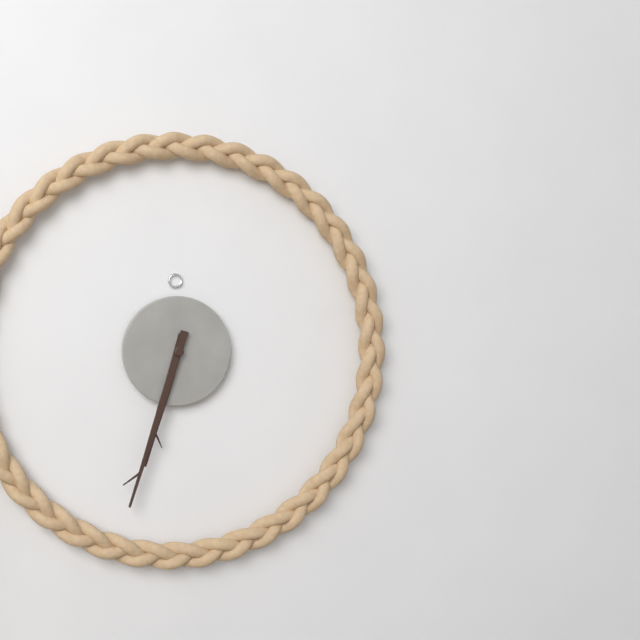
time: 6:33
